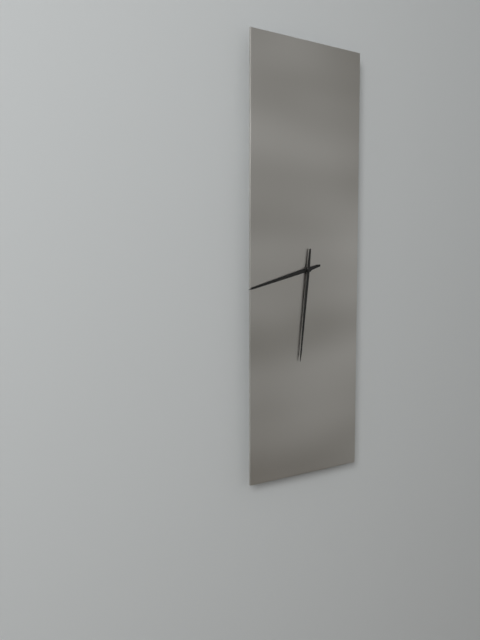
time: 8:31
